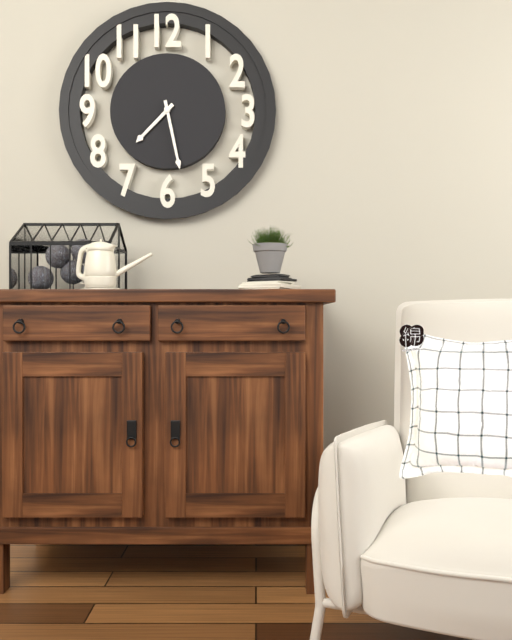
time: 7:28
